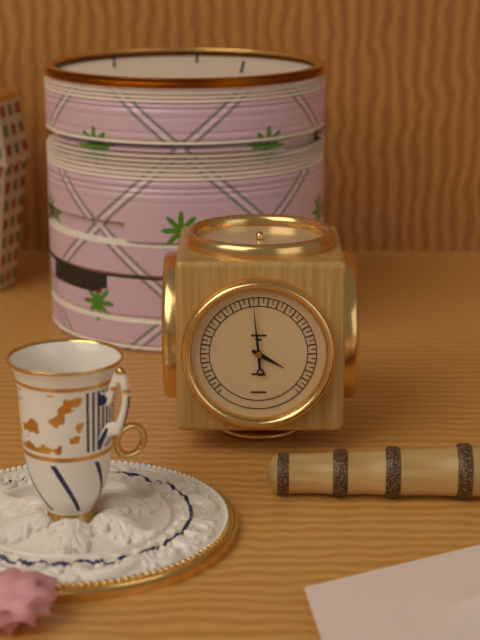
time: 3:59
